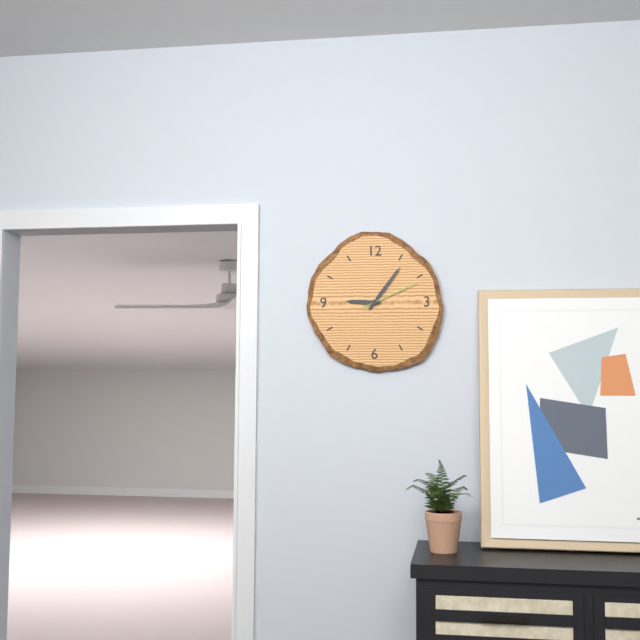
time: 9:06:11
